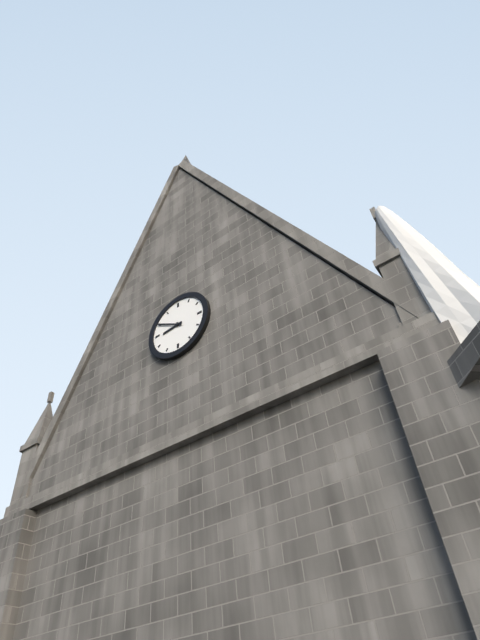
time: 8:50
